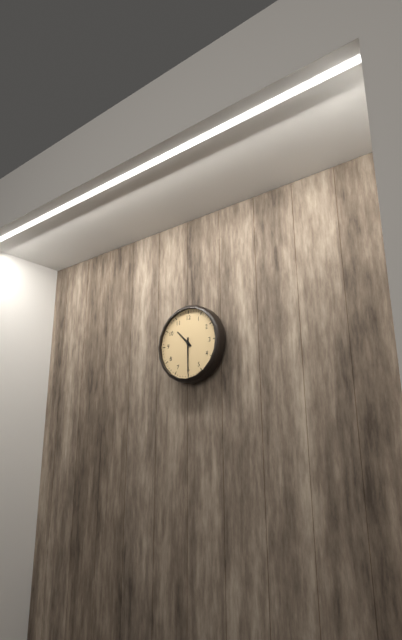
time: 10:30
